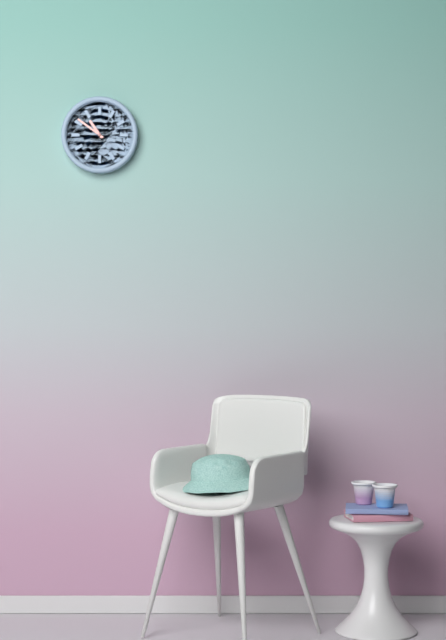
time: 10:51
